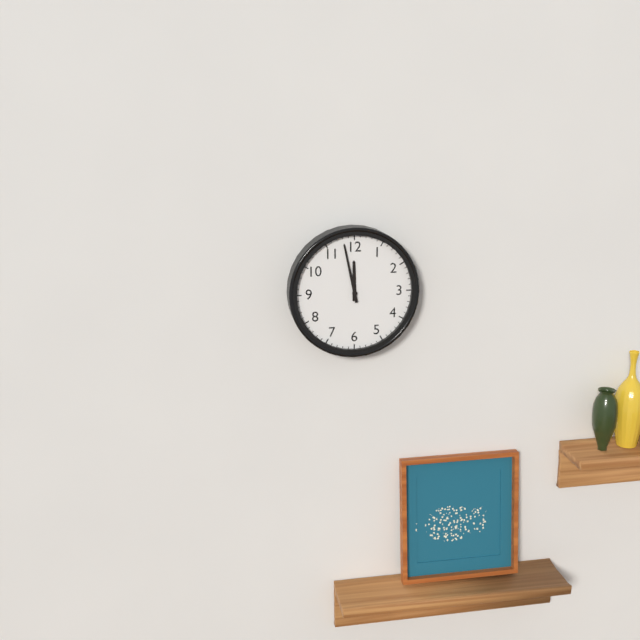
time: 11:58
